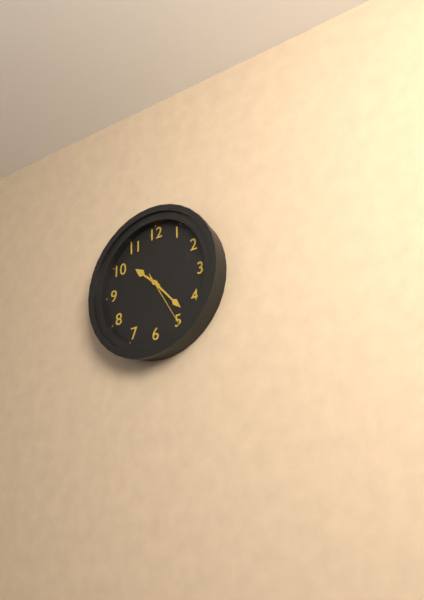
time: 10:23:25
